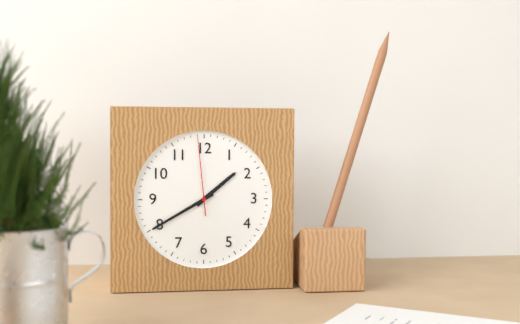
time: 1:40:59
